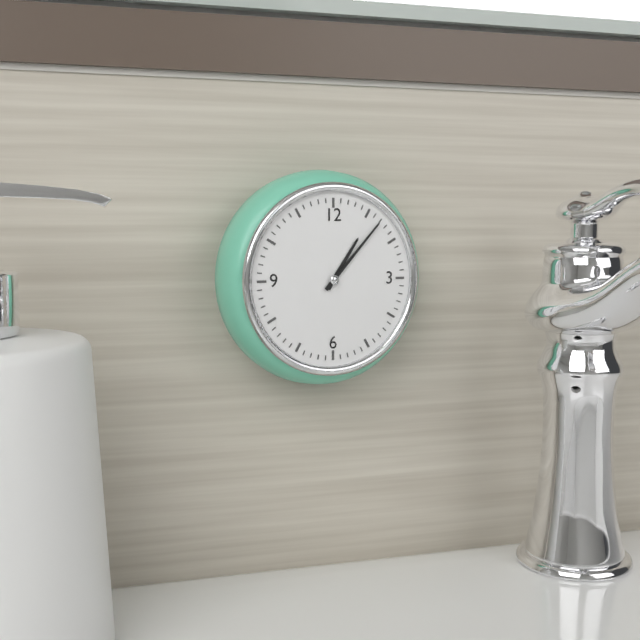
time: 1:07
